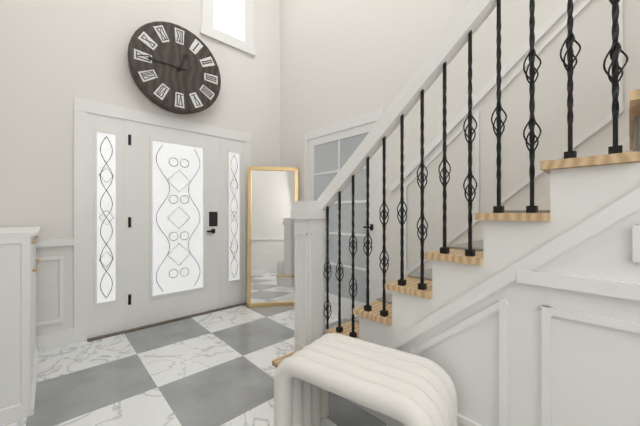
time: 12:45
